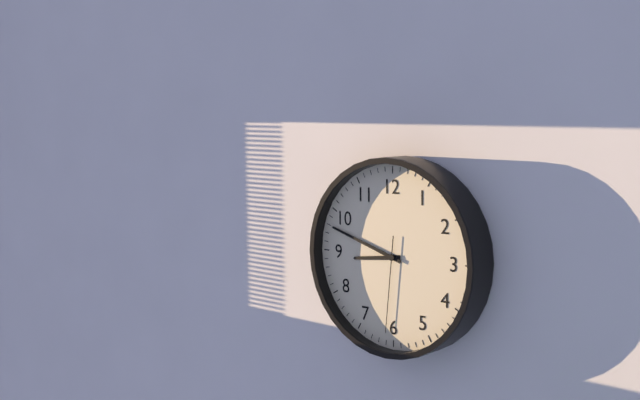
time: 8:48:31
